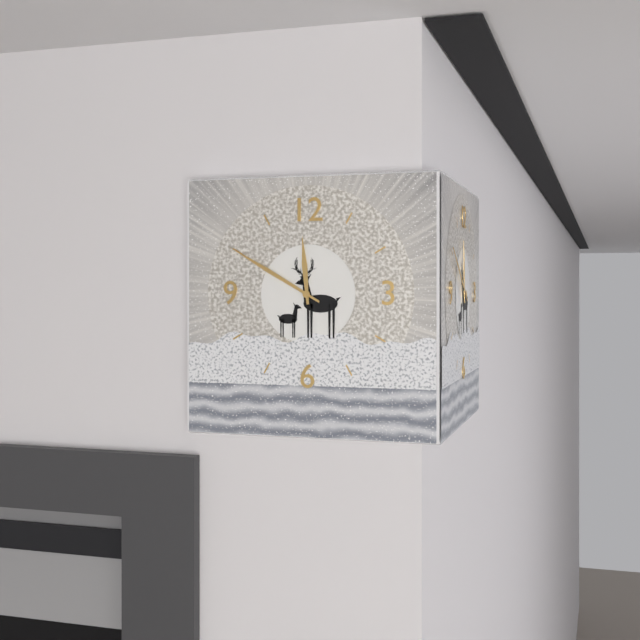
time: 11:50
